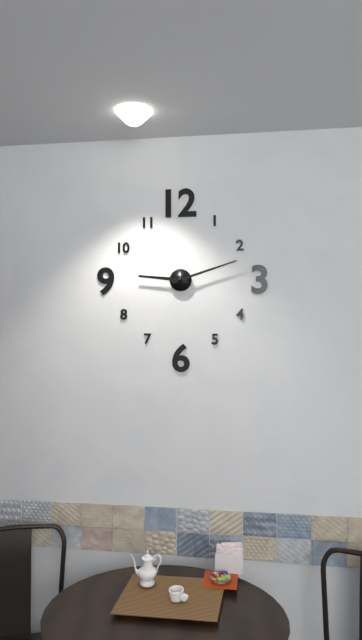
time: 9:12
